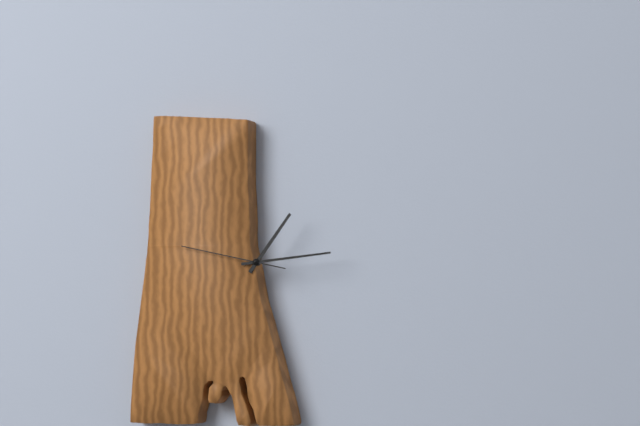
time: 1:14:47
